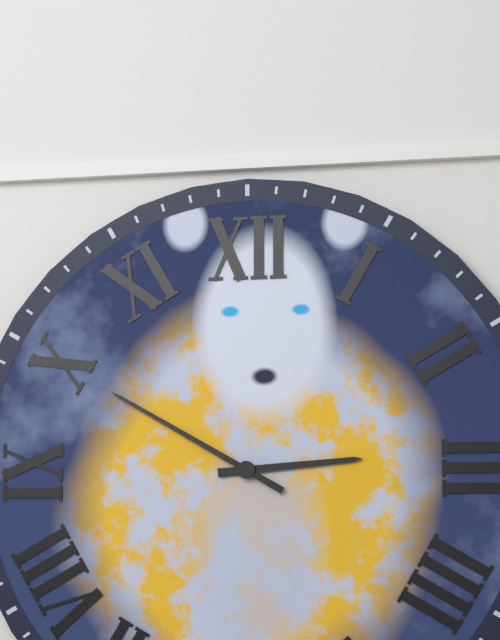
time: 2:50
